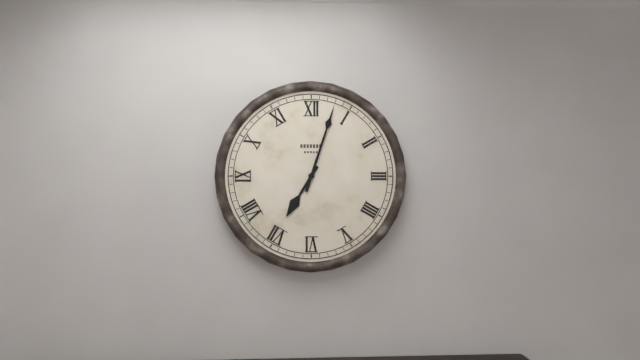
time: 7:03
